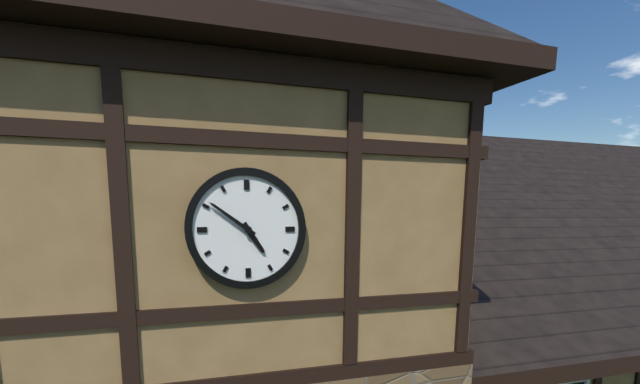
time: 4:51
